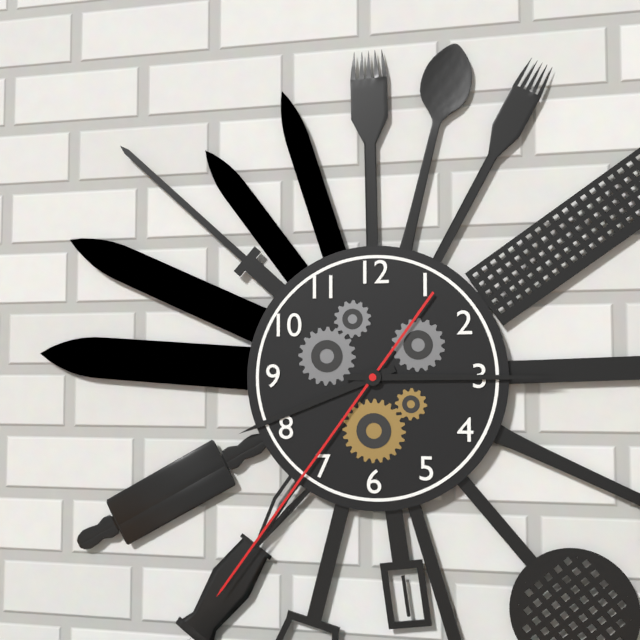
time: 8:15:36
